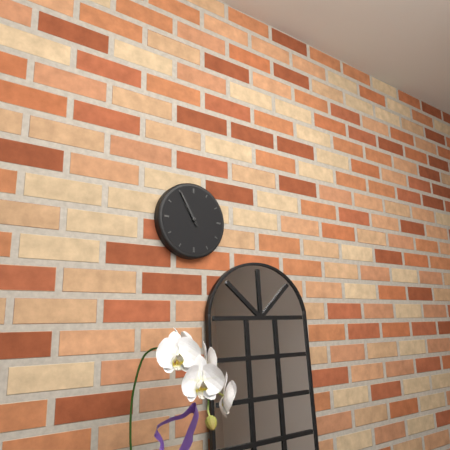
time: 10:55
